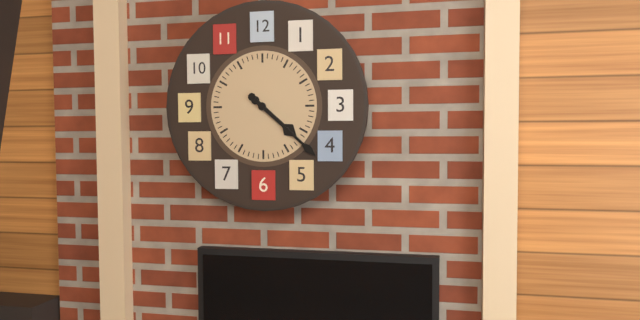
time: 4:22
